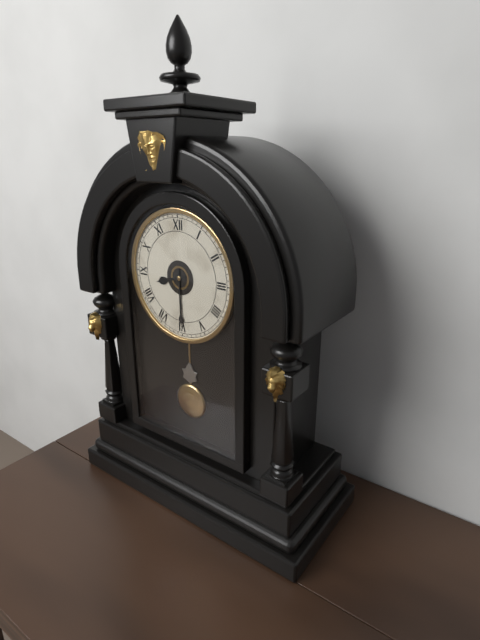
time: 8:30
